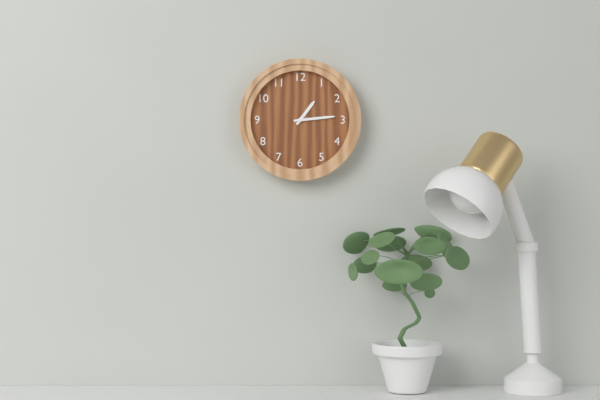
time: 1:14
